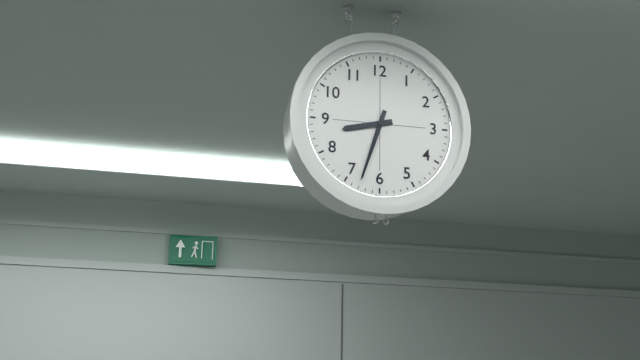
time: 8:33
